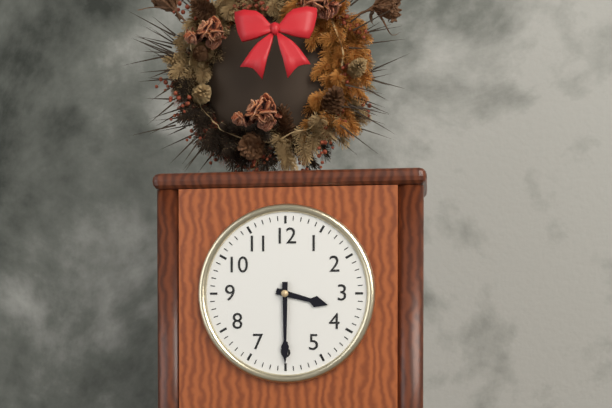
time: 3:30
